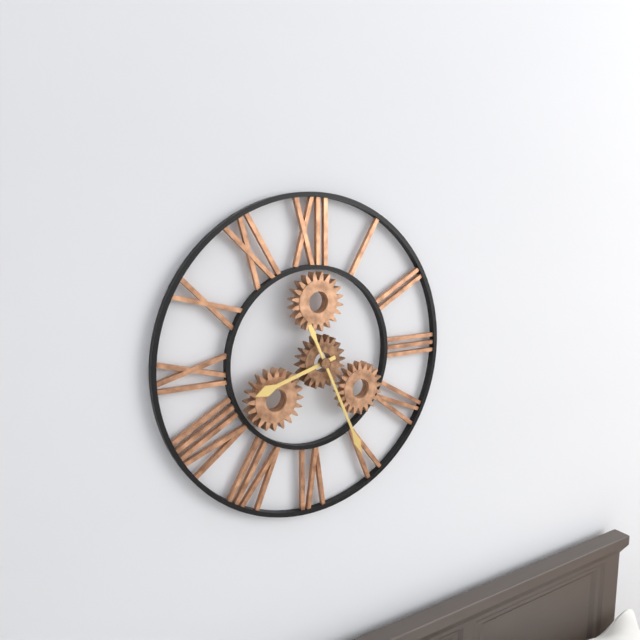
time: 8:26
